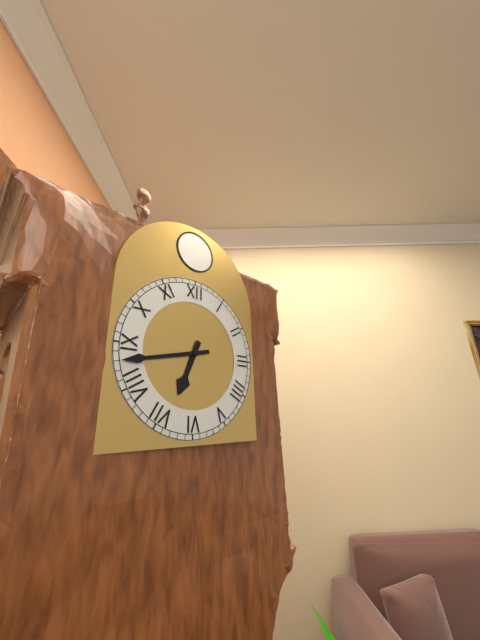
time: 6:43
